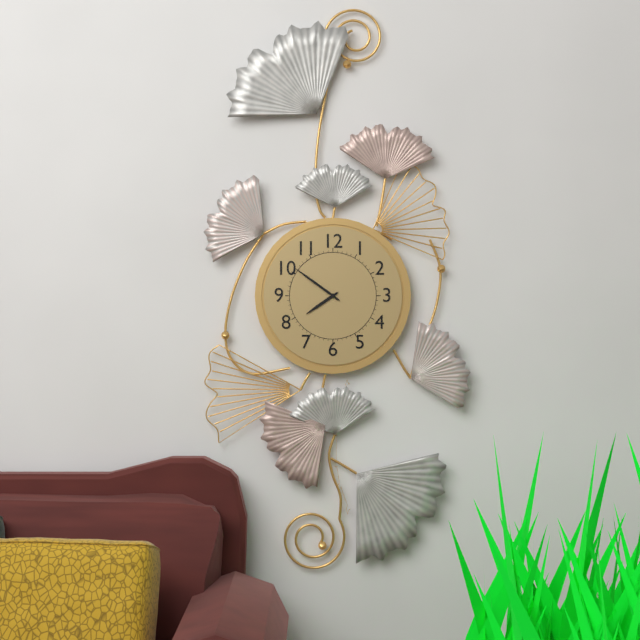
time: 7:51
